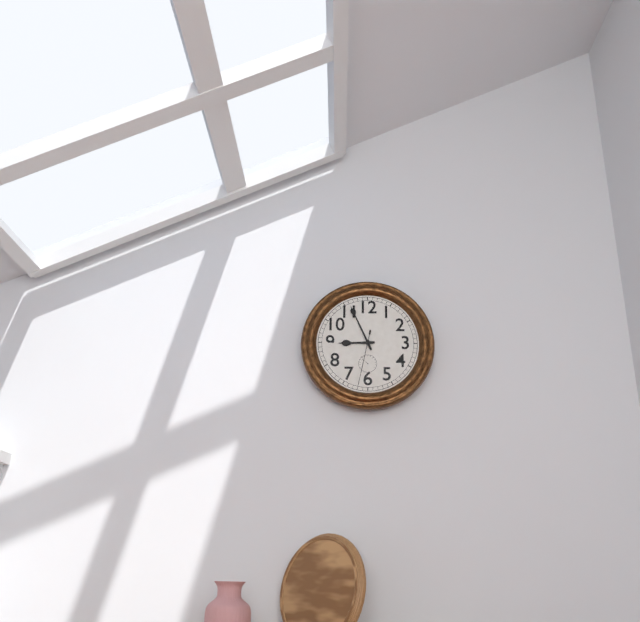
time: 8:56:32
